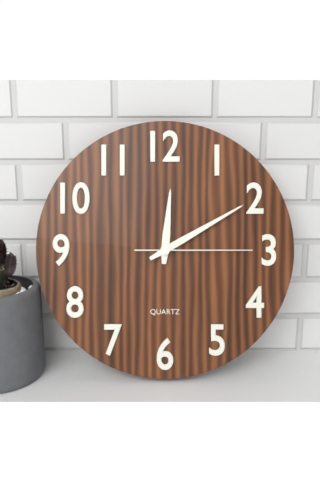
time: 12:10:15
